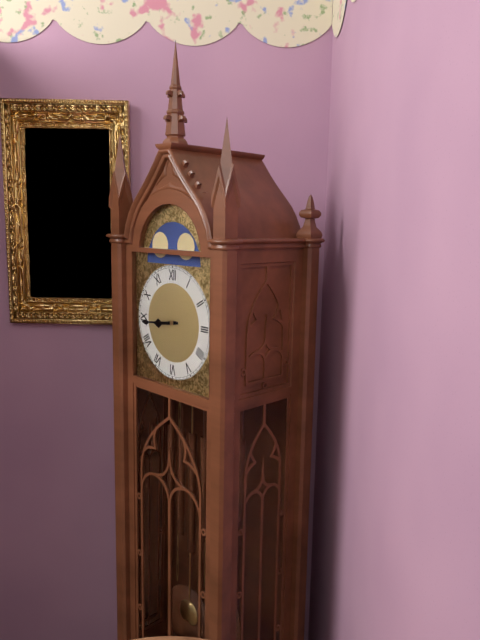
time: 8:44
